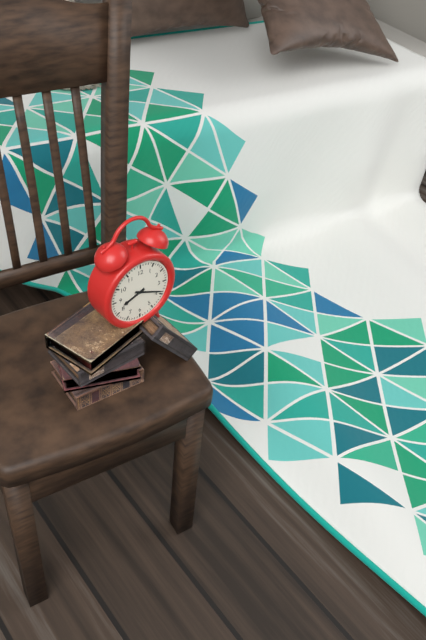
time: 8:19
